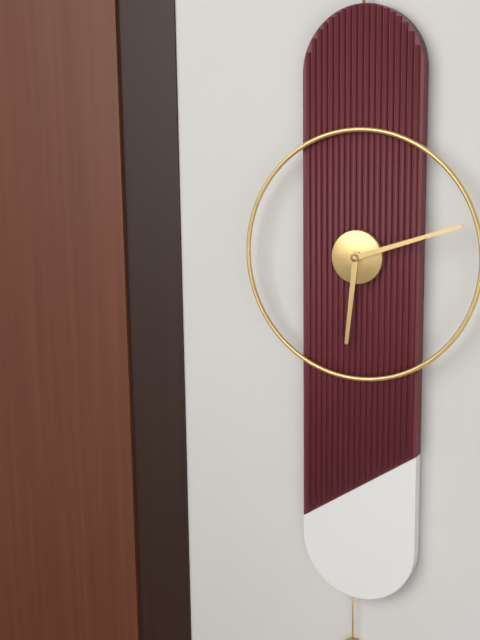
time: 6:12
